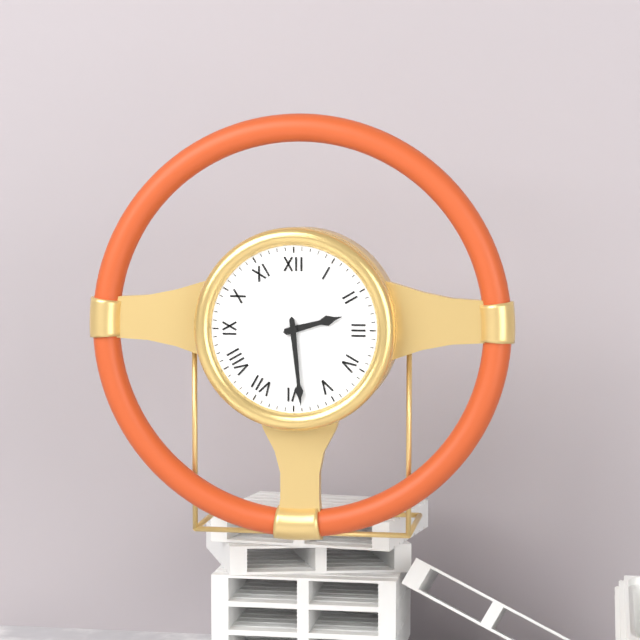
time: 2:29
